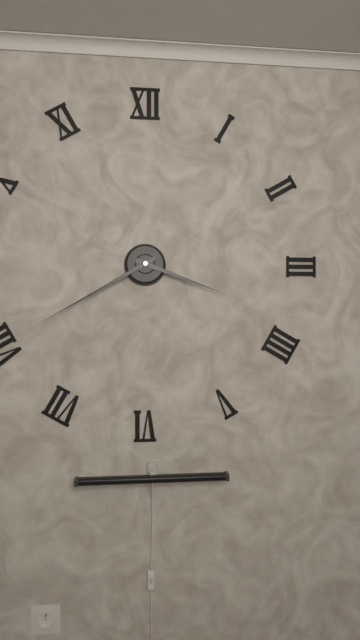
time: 3:40
